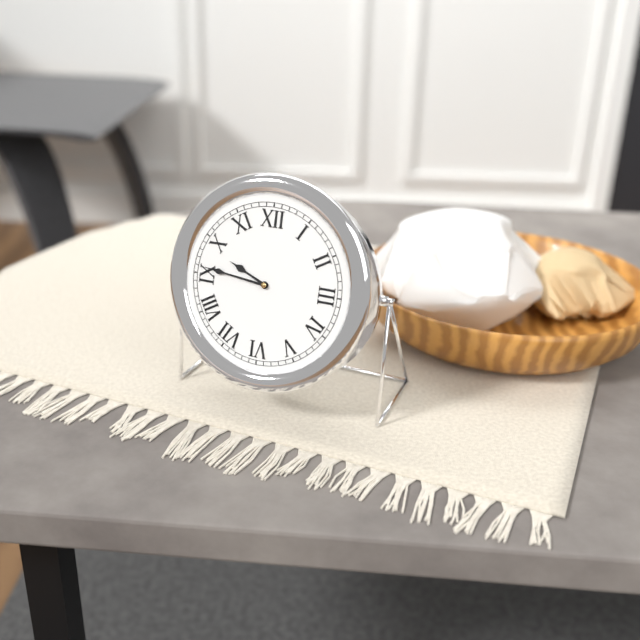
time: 9:46
